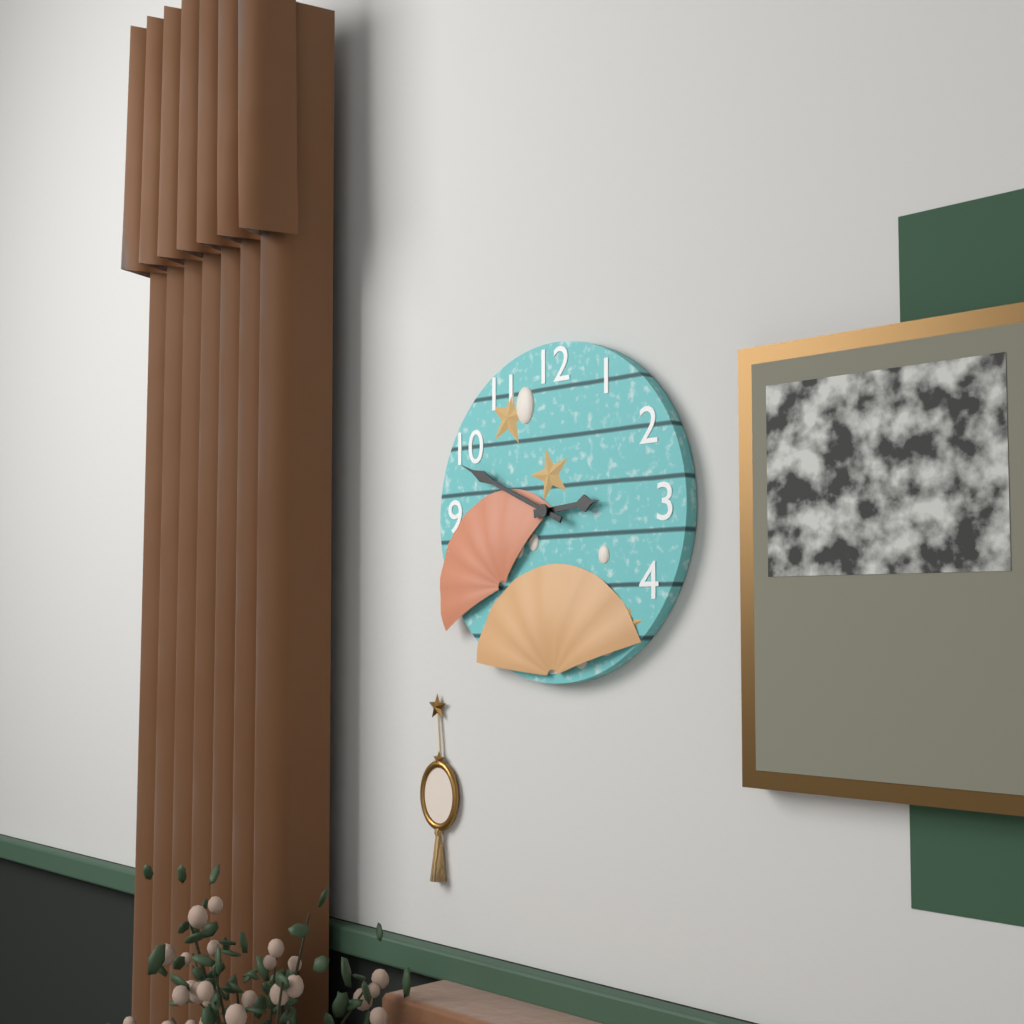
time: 2:49
